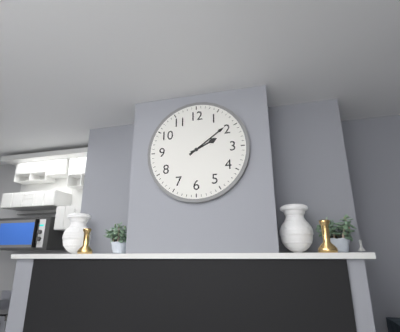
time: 2:09
